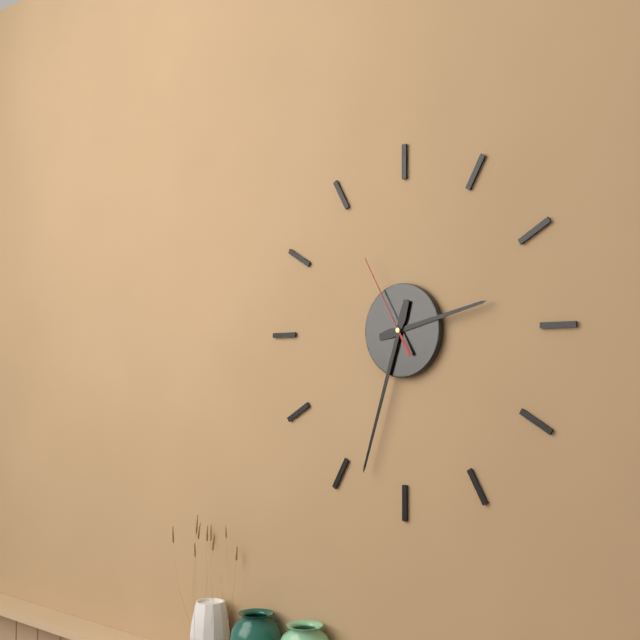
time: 2:33:55
